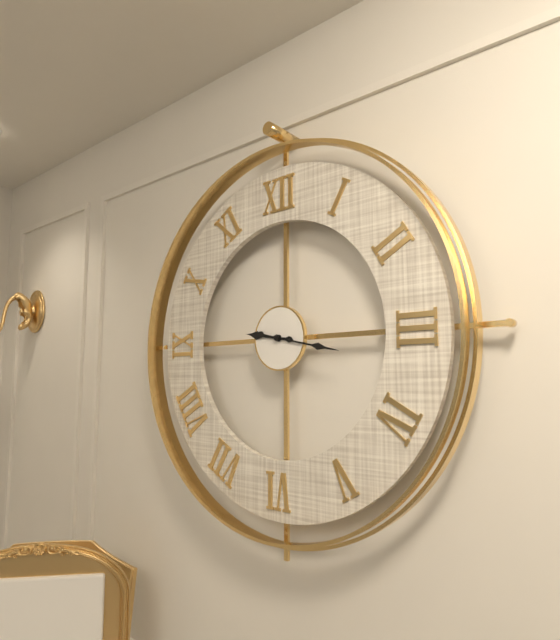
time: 9:17
